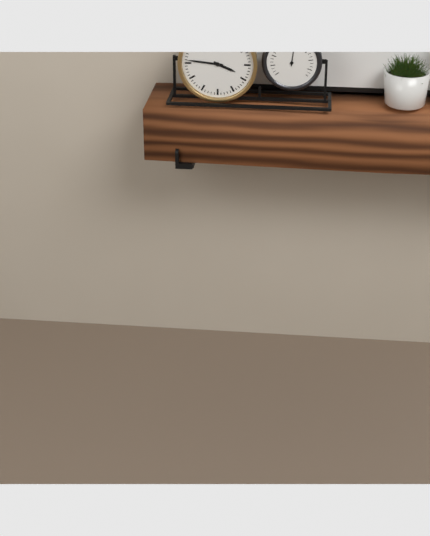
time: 3:46
